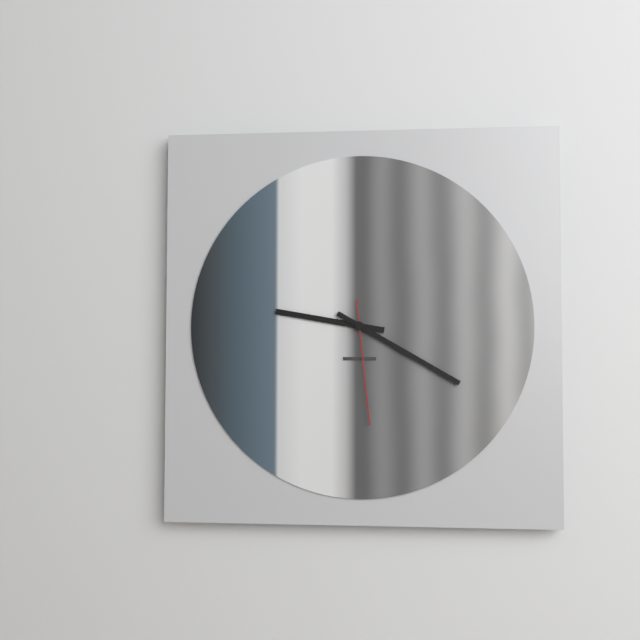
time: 9:20:29
